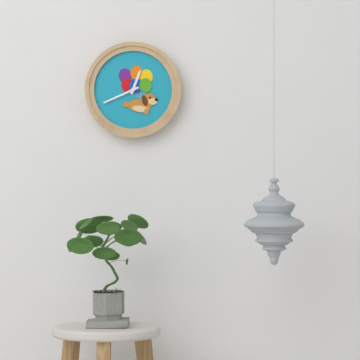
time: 12:41
